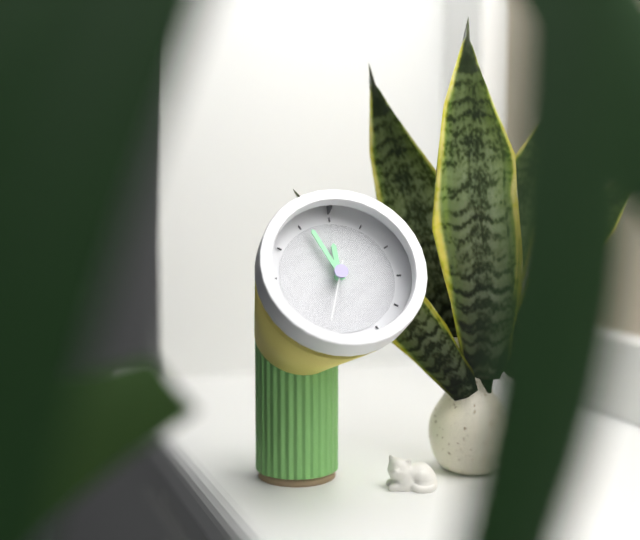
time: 11:56:33
